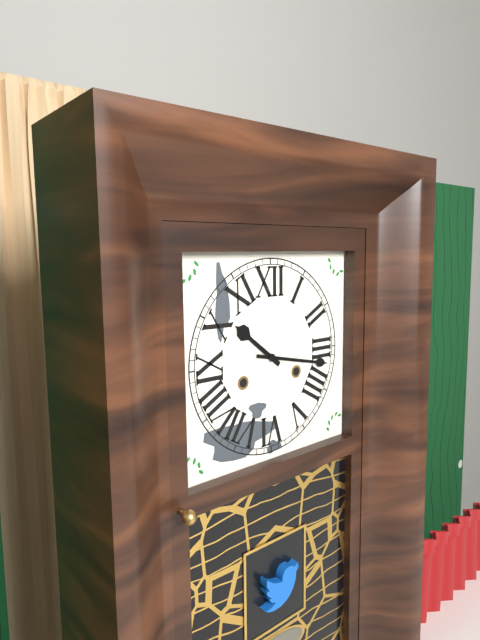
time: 10:17
